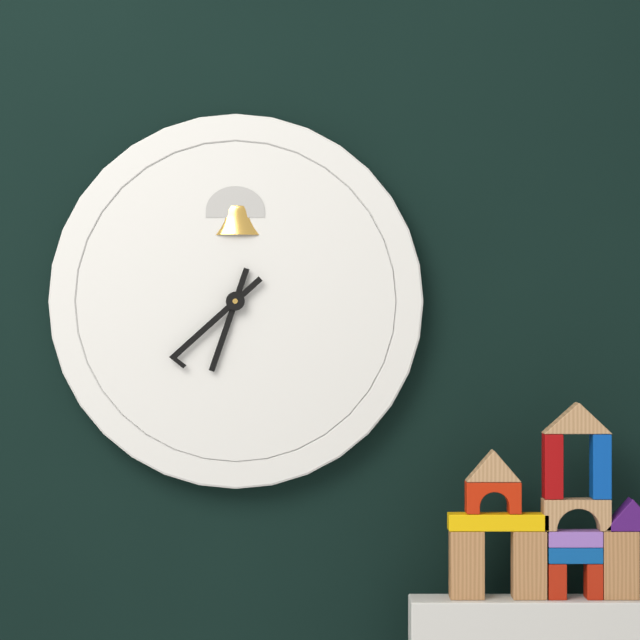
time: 6:38
